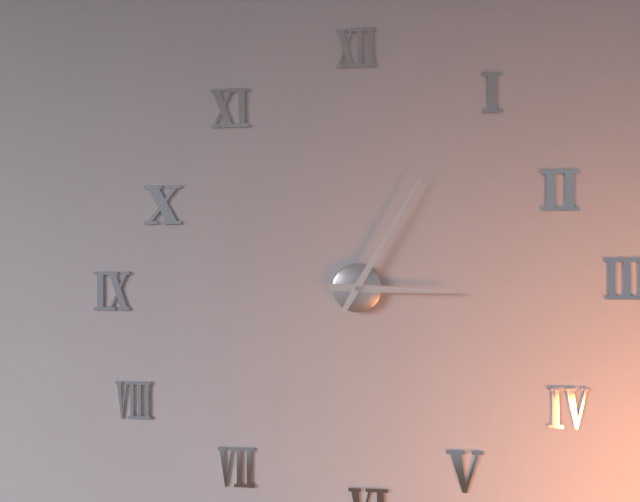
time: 3:05
